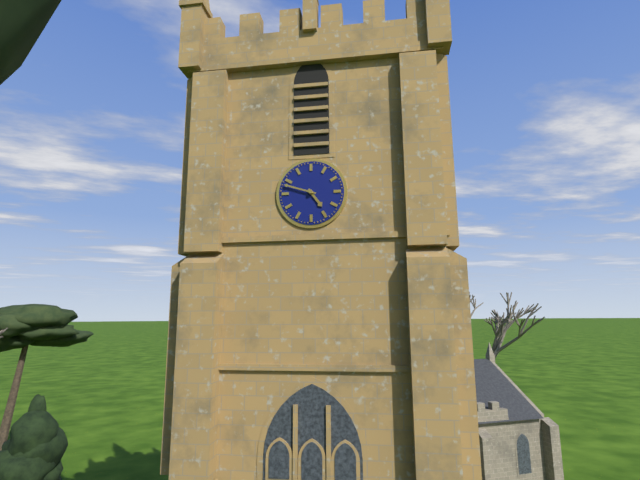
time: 4:48
